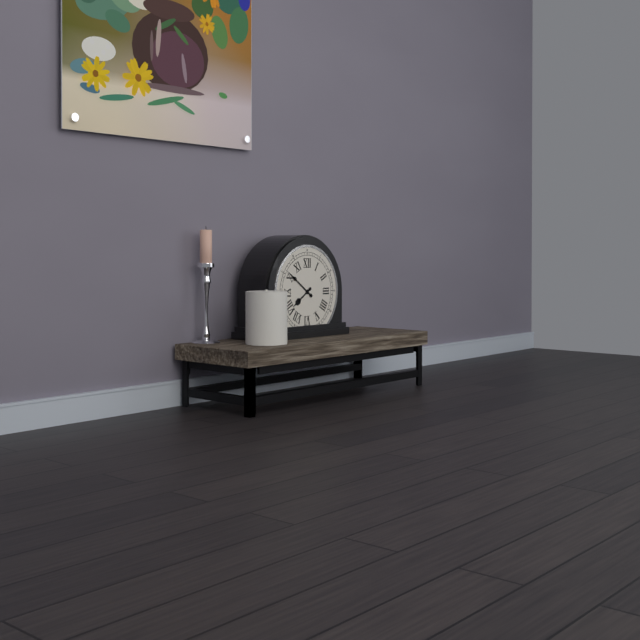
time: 7:51
